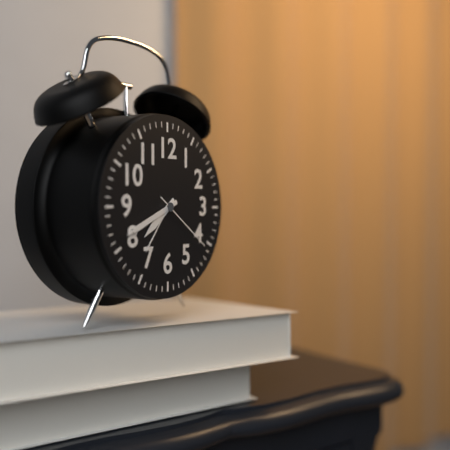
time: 7:41:21
